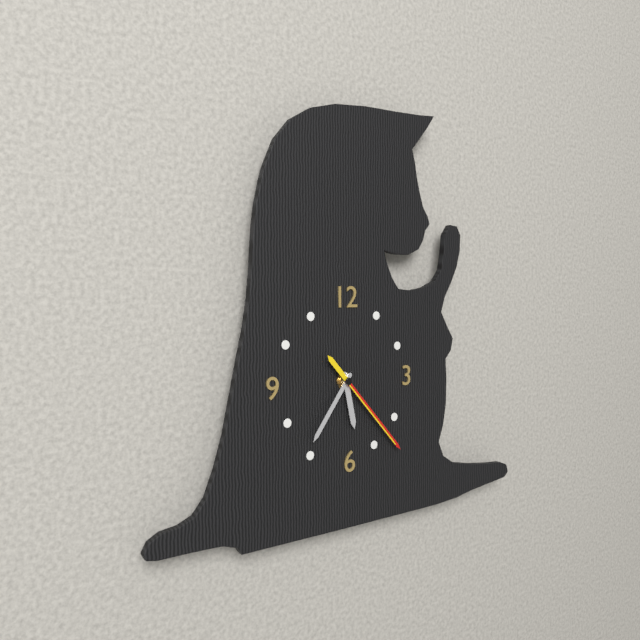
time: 5:36:23
